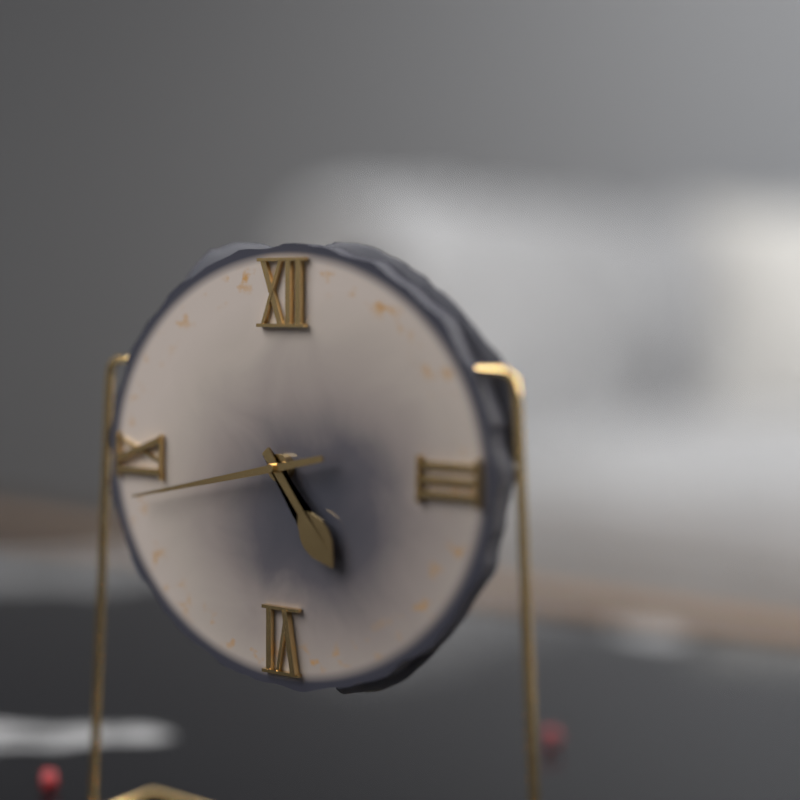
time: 4:43
